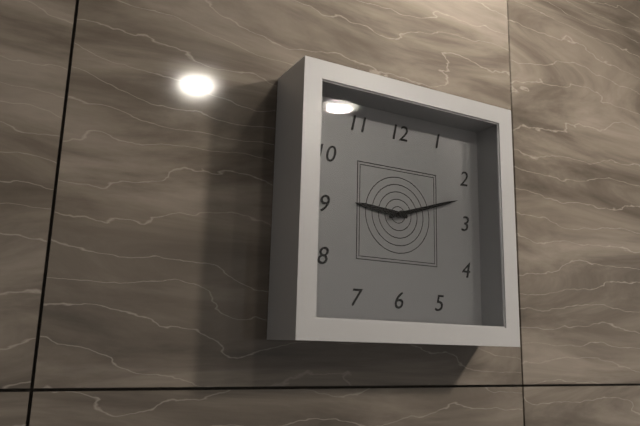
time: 9:12
